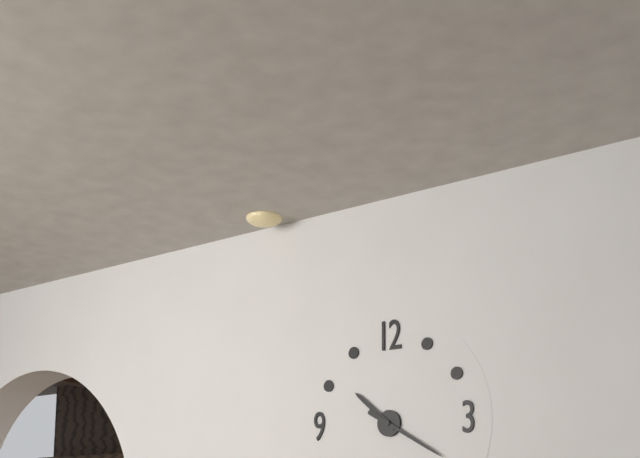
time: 10:20
